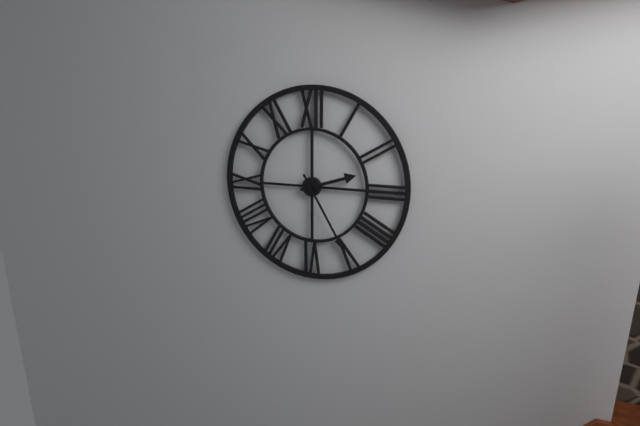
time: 2:25
